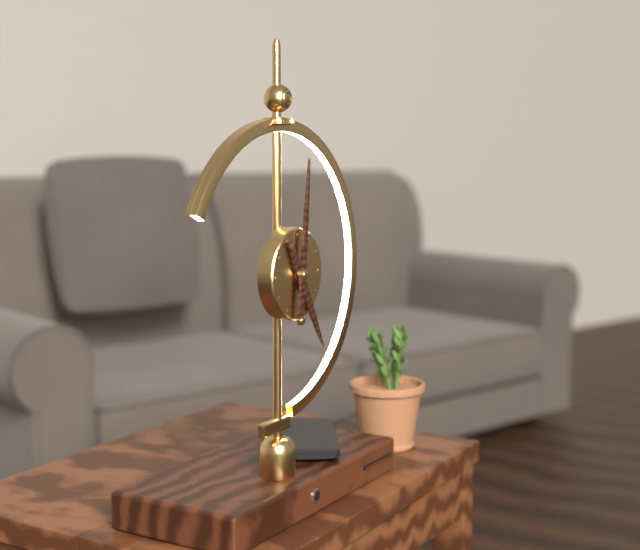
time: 5:01
